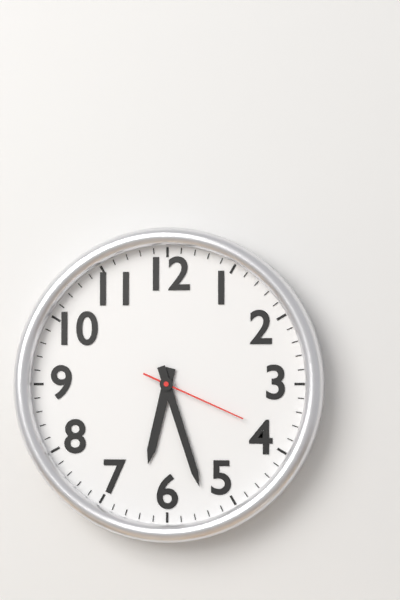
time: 6:27:19
